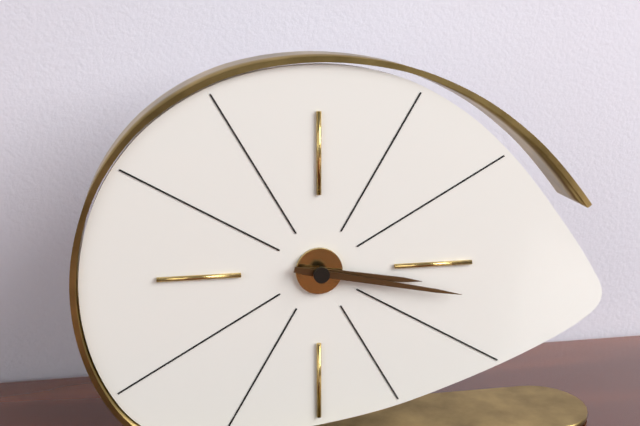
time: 3:17
